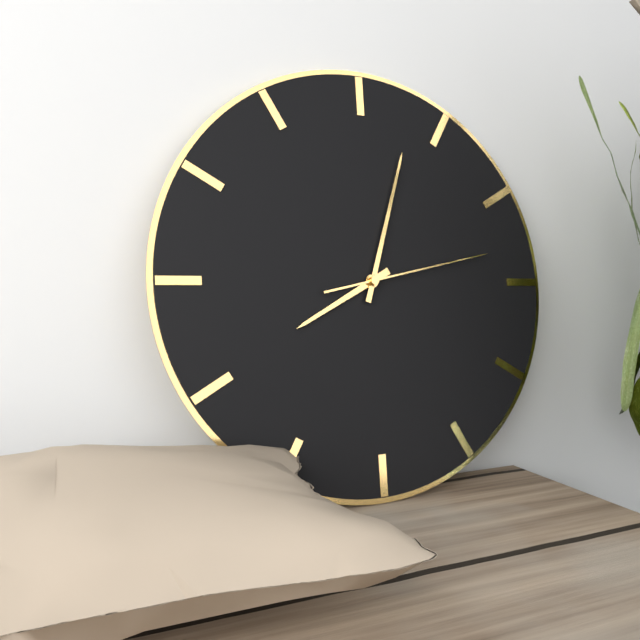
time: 8:03:13
